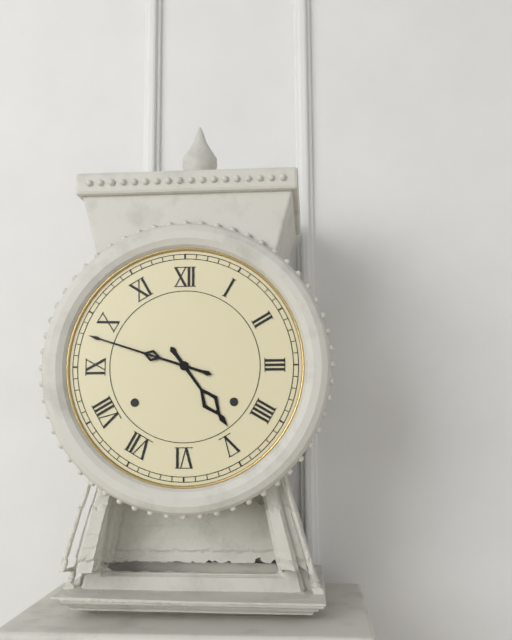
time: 4:48
